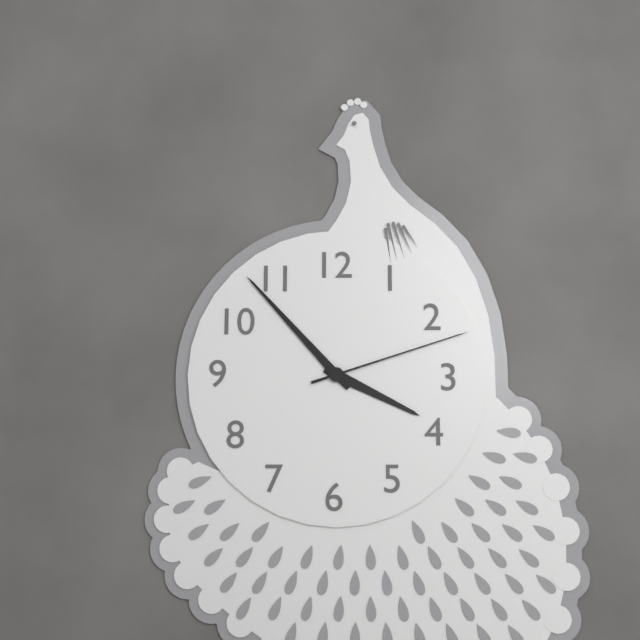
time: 3:53:12
